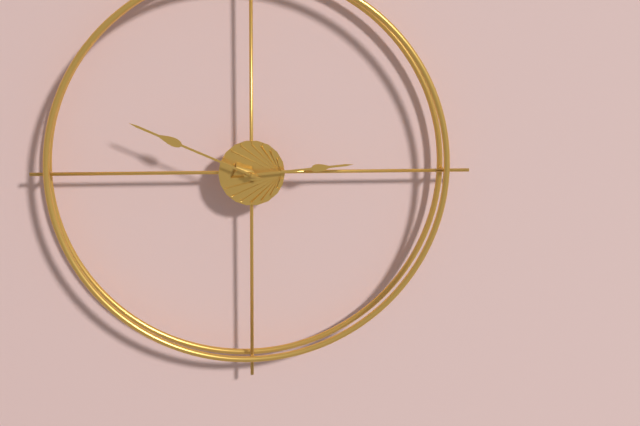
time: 2:49
